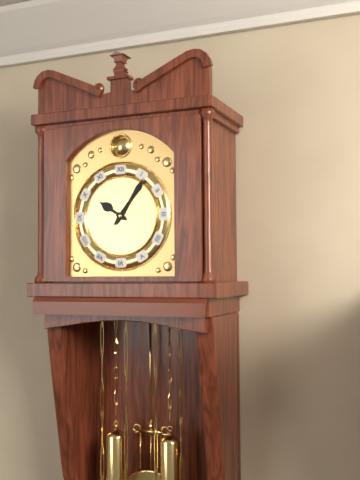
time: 10:06
